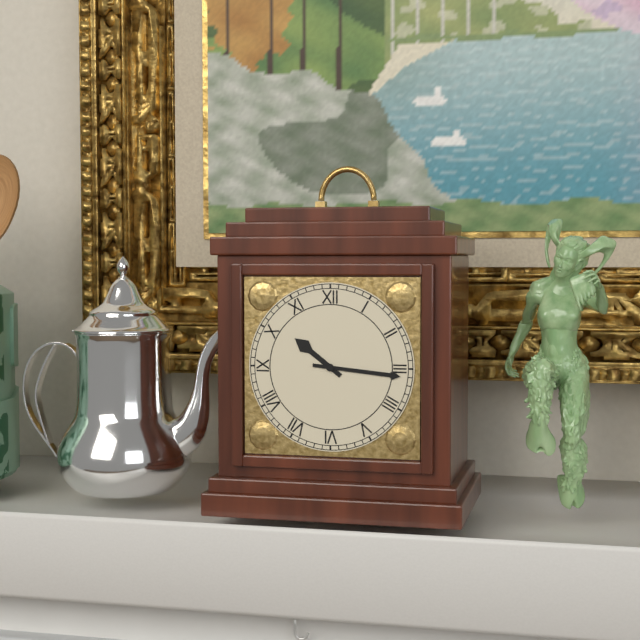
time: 10:16
